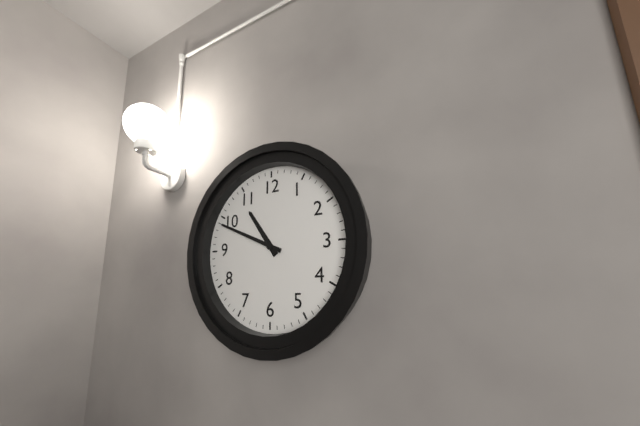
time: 10:49
